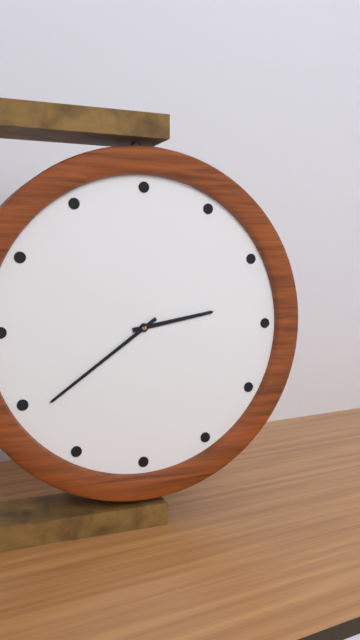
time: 2:39
